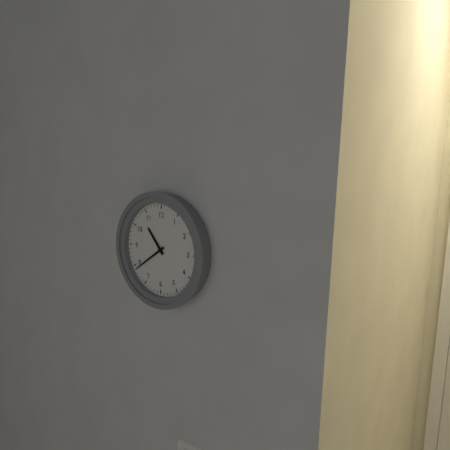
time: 10:39
